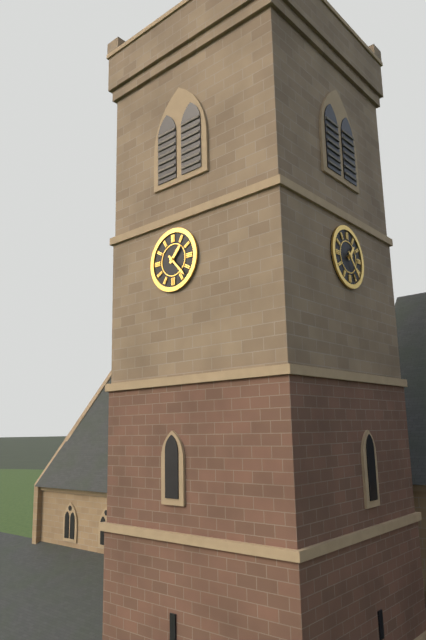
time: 1:23
